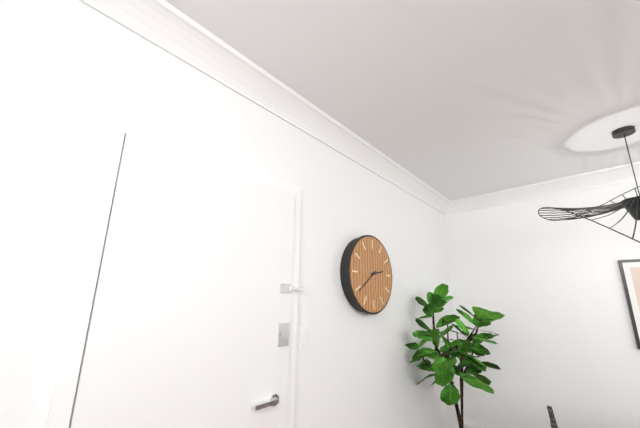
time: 2:39
